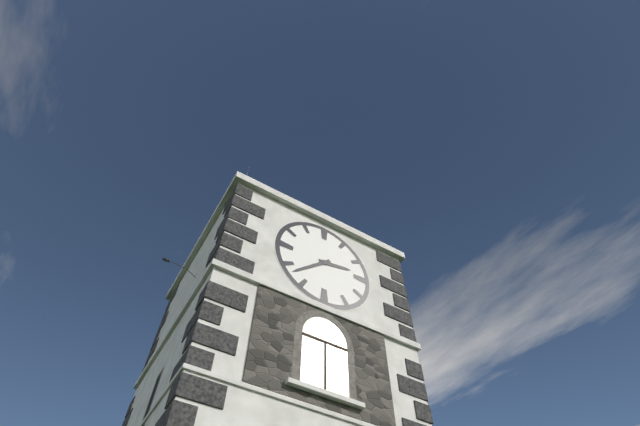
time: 2:38
